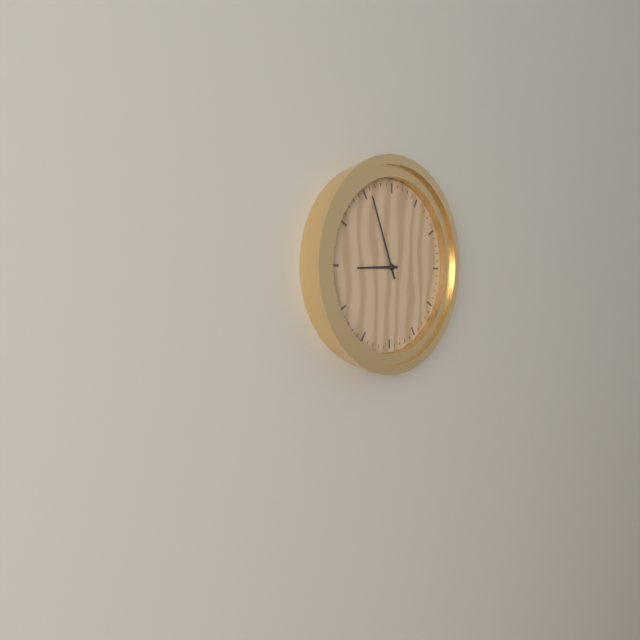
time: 8:56
